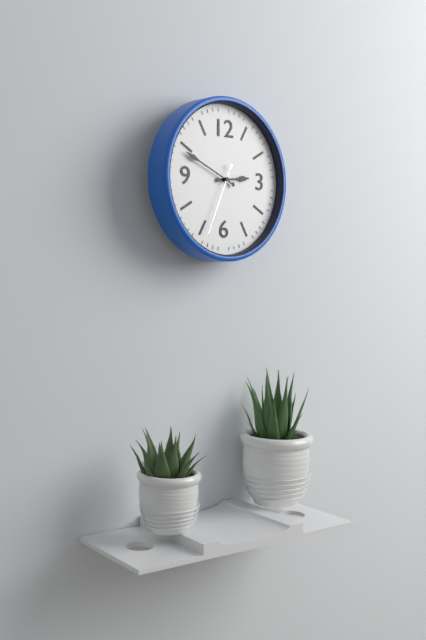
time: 2:49:34
